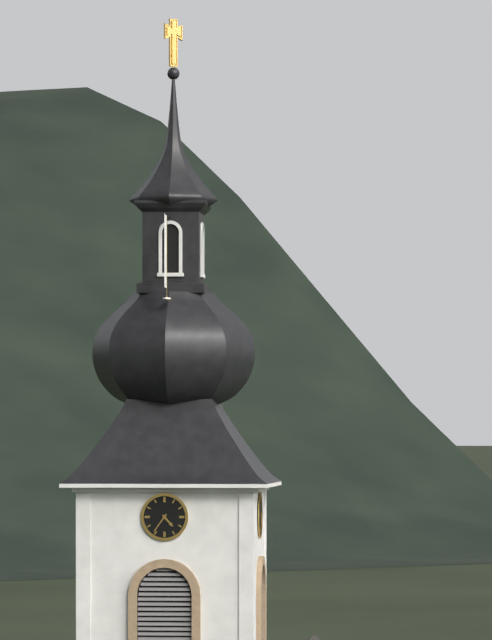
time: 4:36
